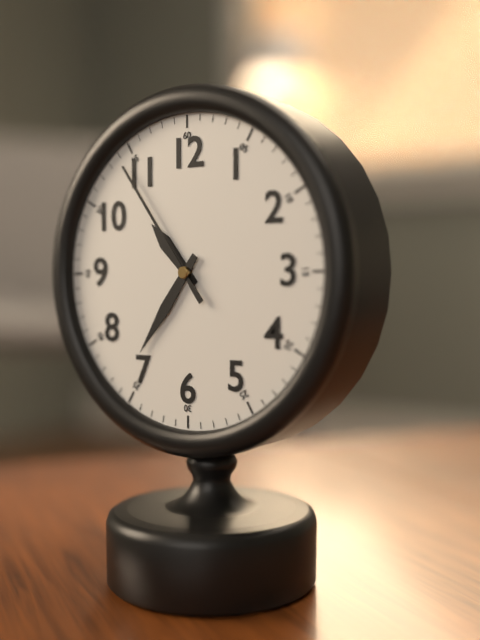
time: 10:36:54
